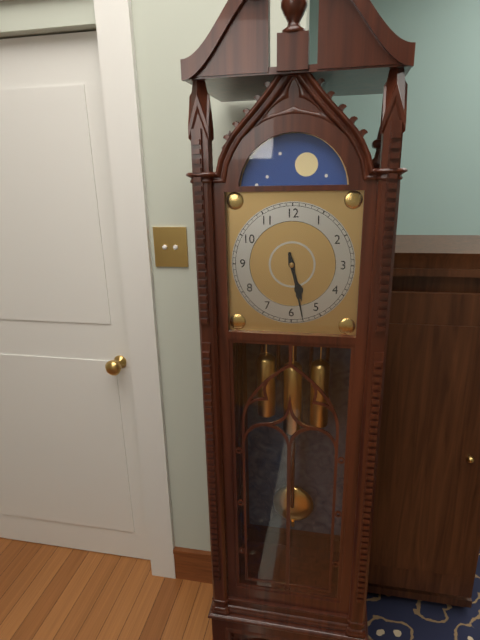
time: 5:28
